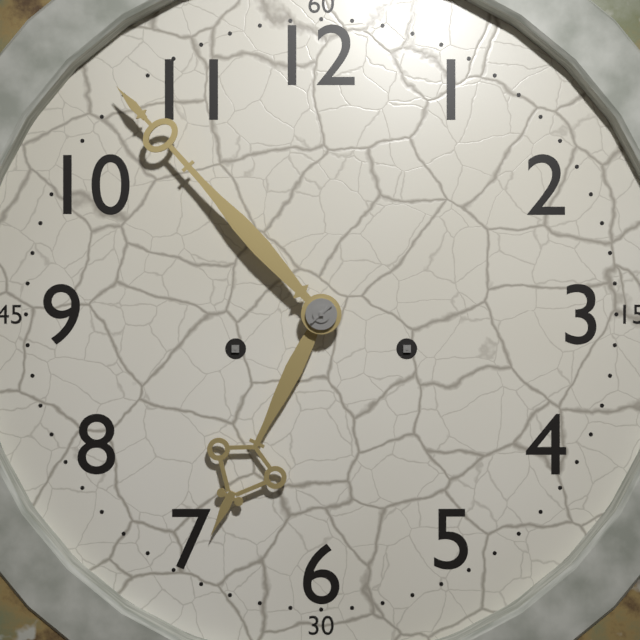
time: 6:53
